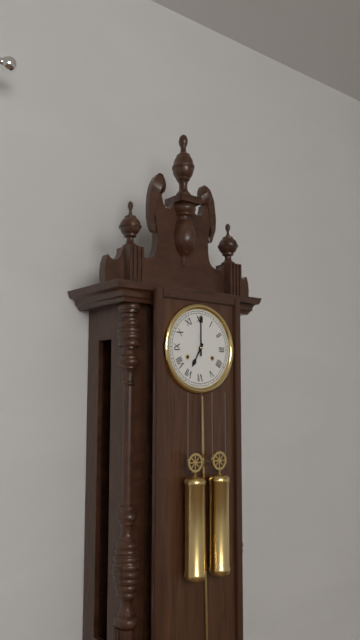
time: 7:00
